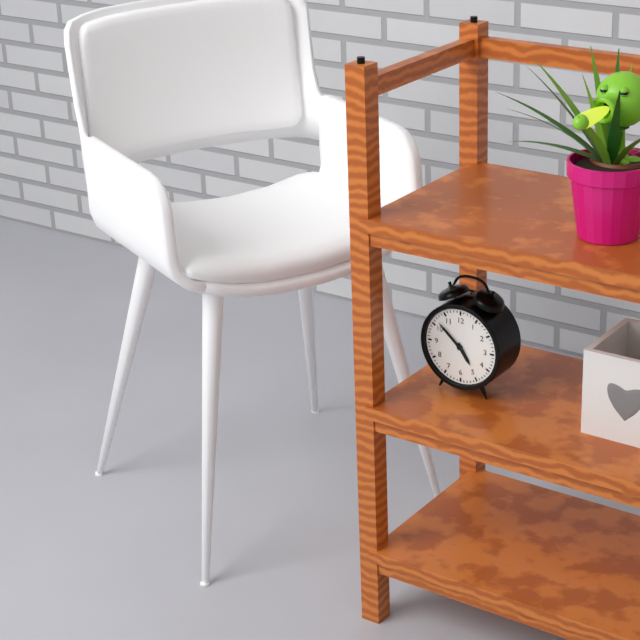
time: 4:52
